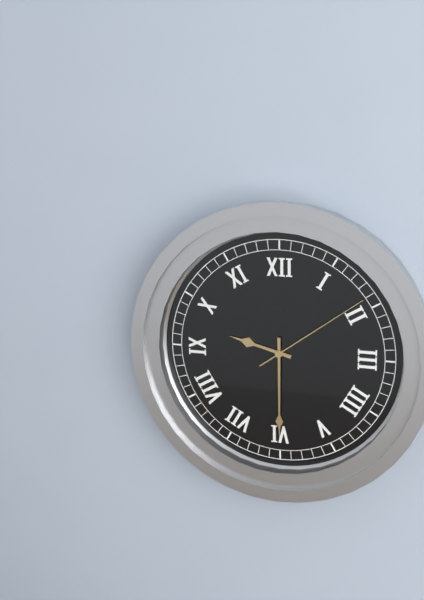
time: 9:30:09
